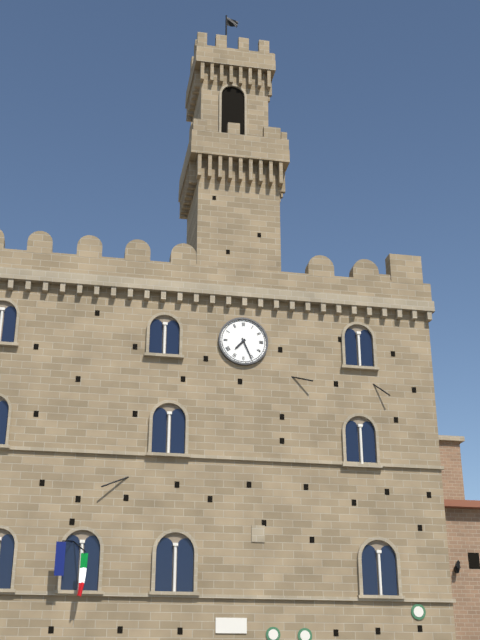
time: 7:26
